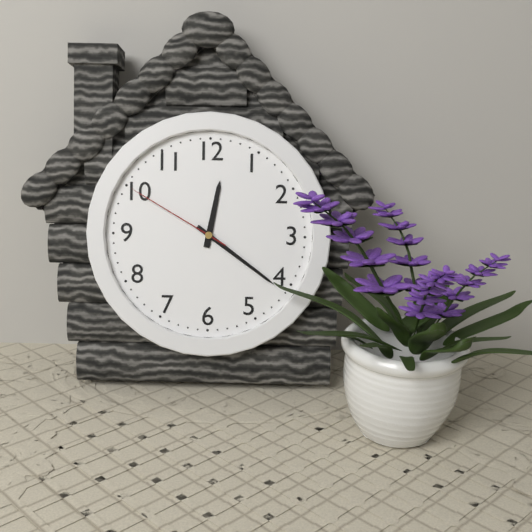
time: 12:21:50
